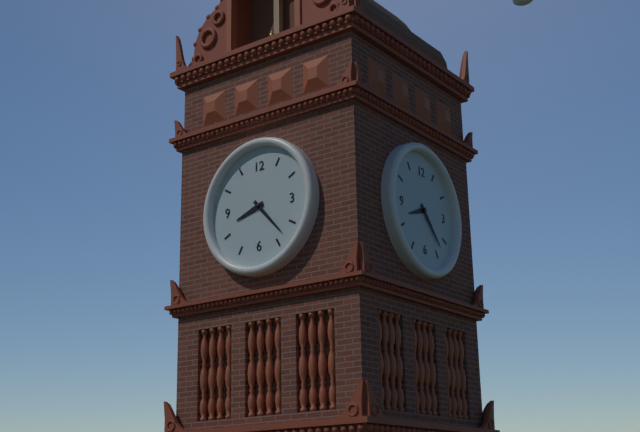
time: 8:23
